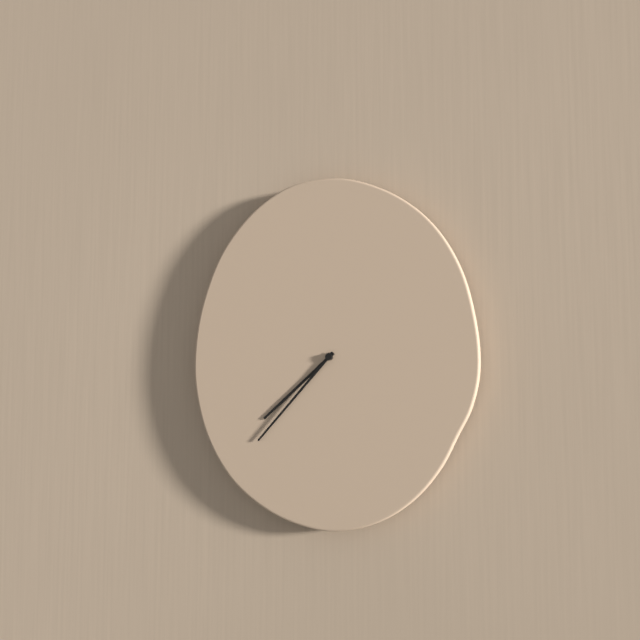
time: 7:37
